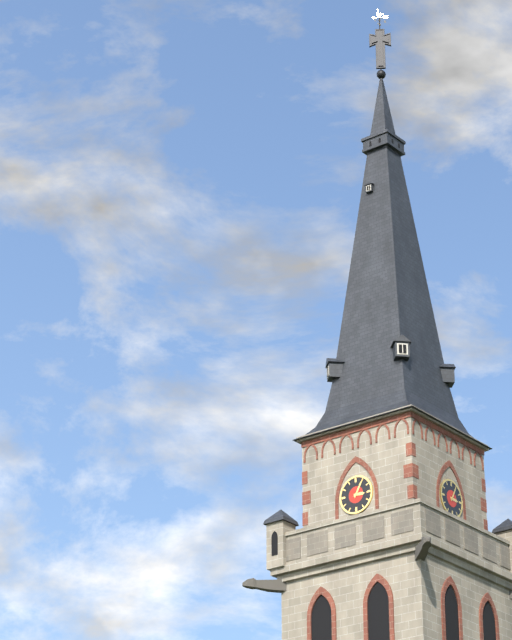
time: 3:05
